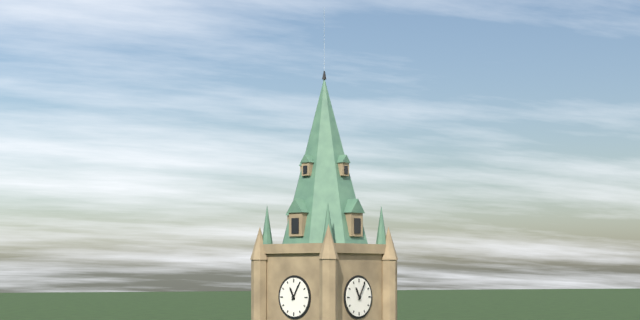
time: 11:05
